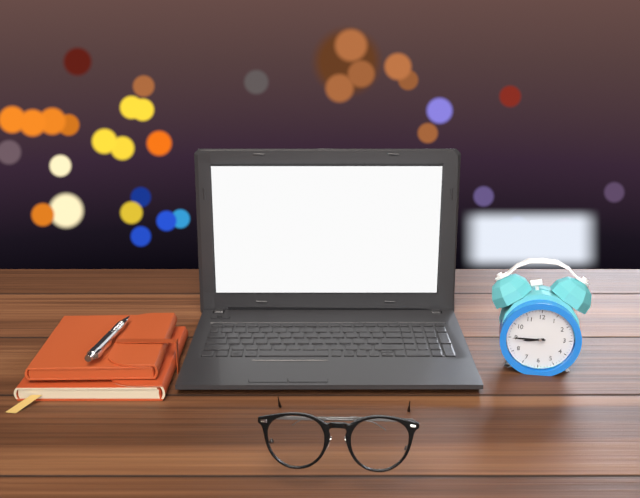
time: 8:45
